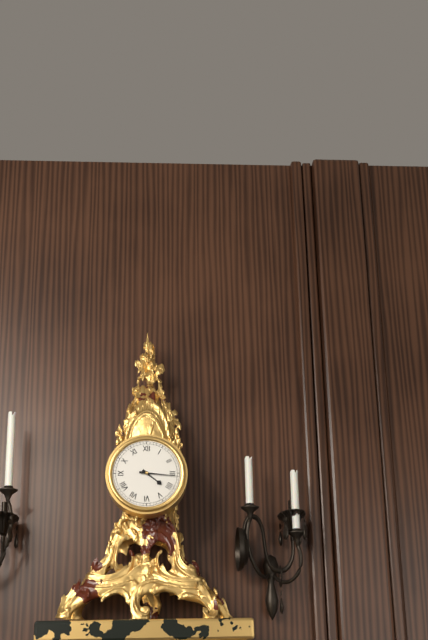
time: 4:16
